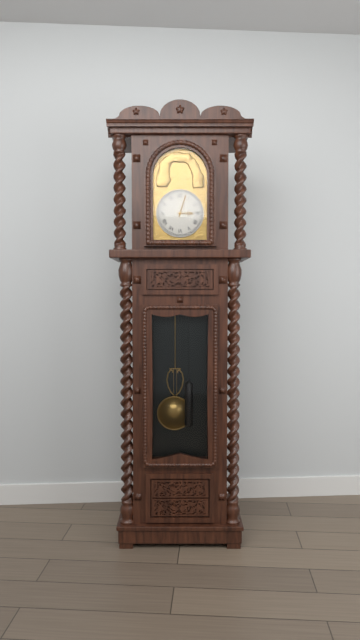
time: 3:03
